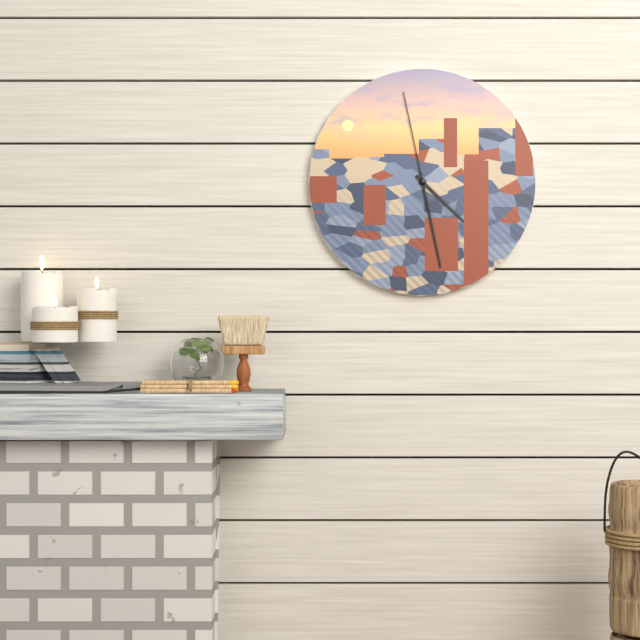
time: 4:28:58
